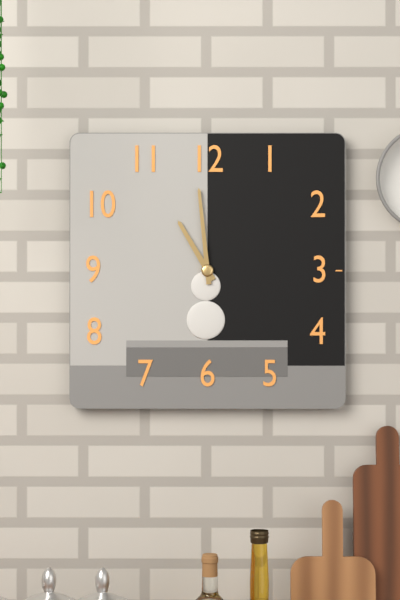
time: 10:59
